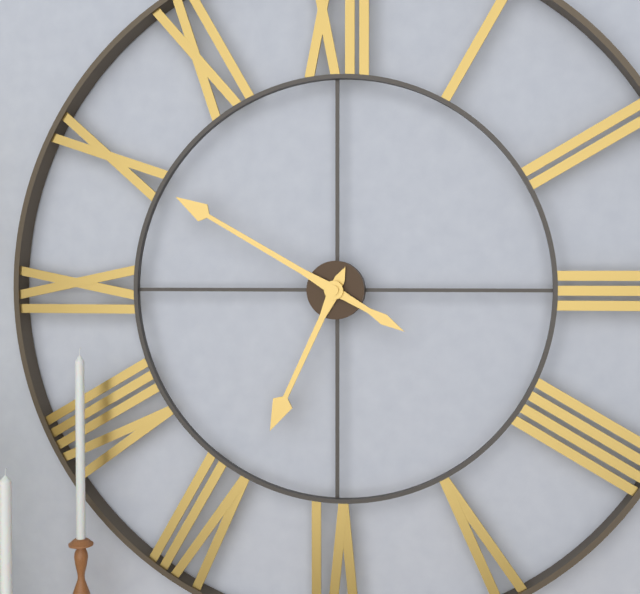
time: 6:50
